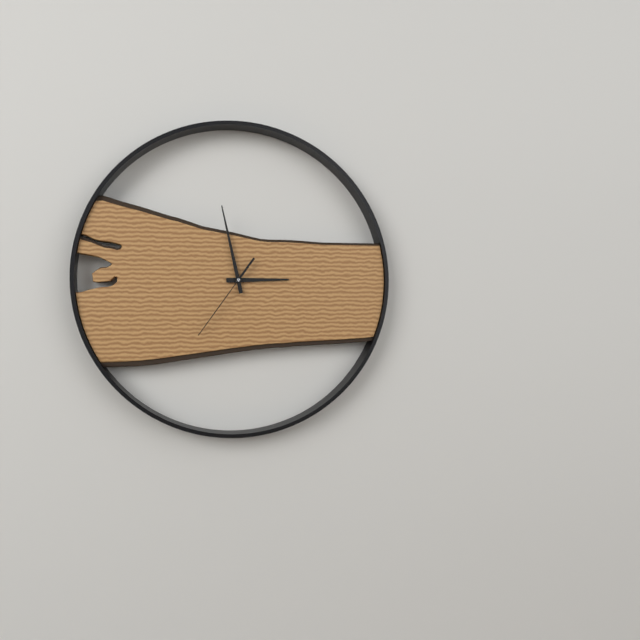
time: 2:58:36
